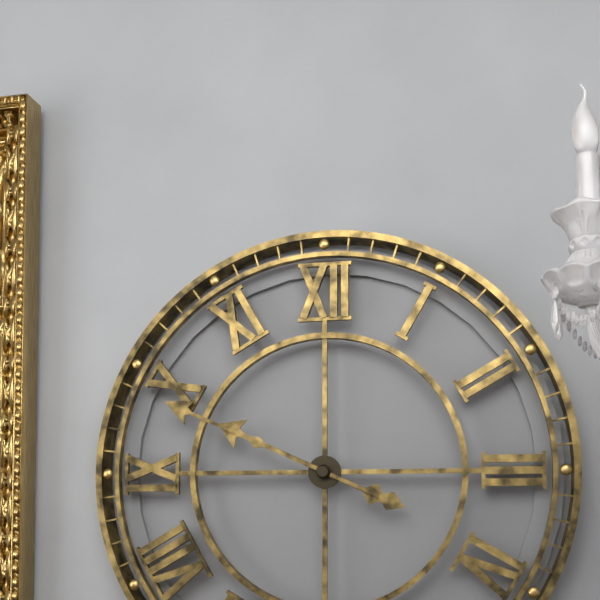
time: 9:49
